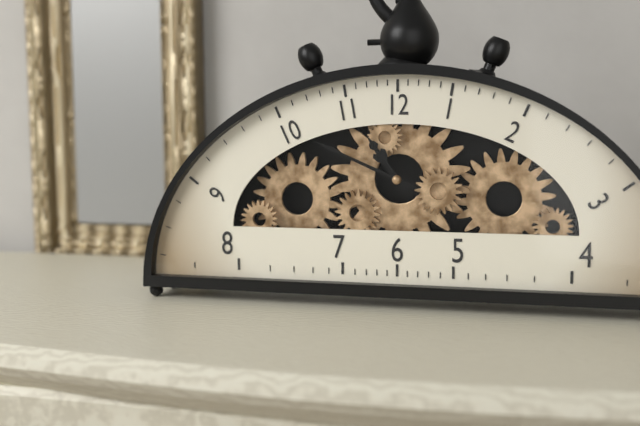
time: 10:49
